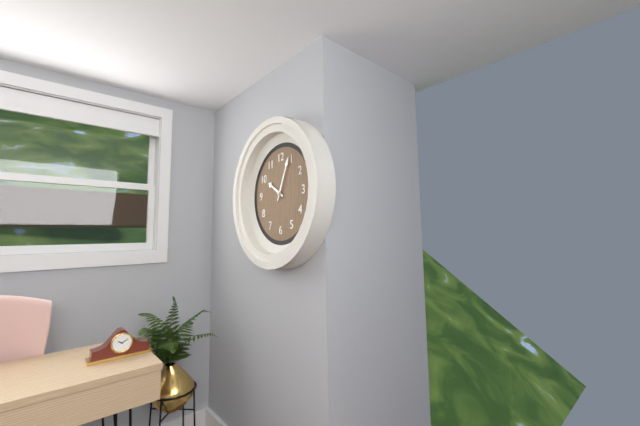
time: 10:04
